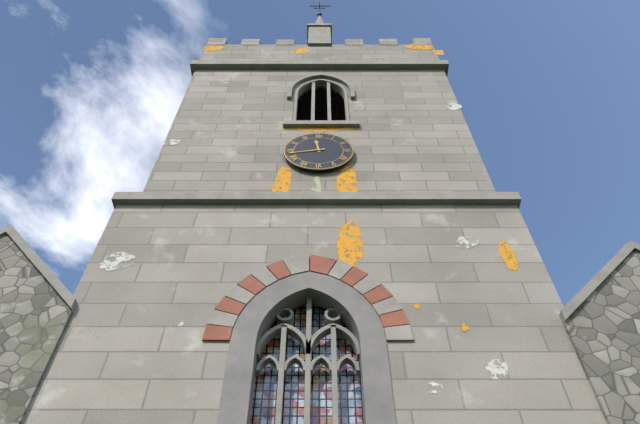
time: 11:43
